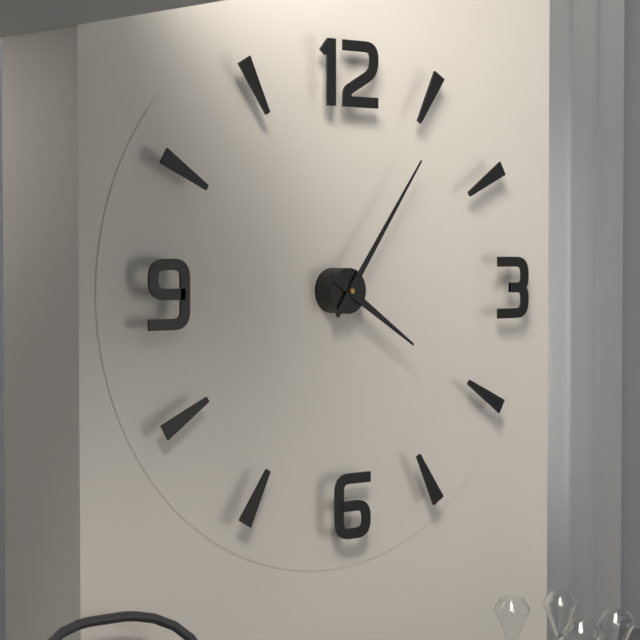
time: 4:06
